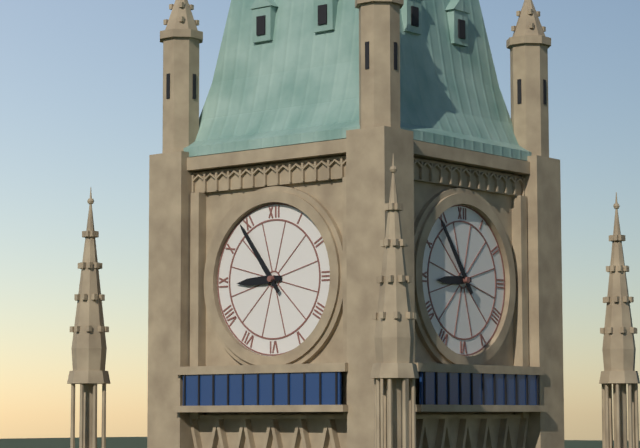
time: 8:54
